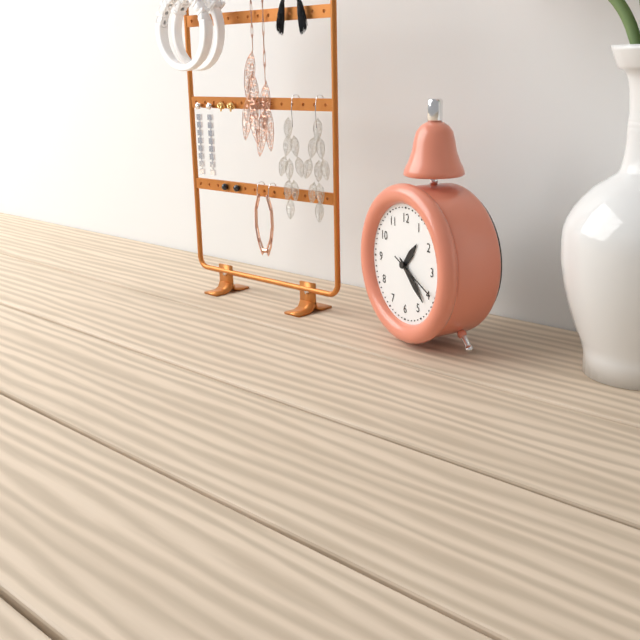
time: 1:22:19
